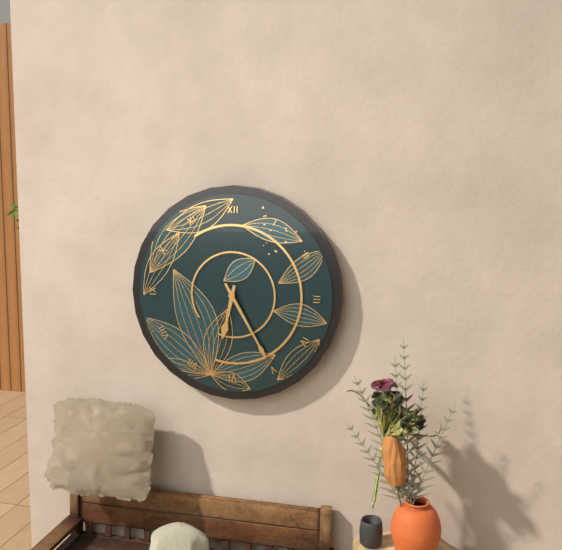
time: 6:25
